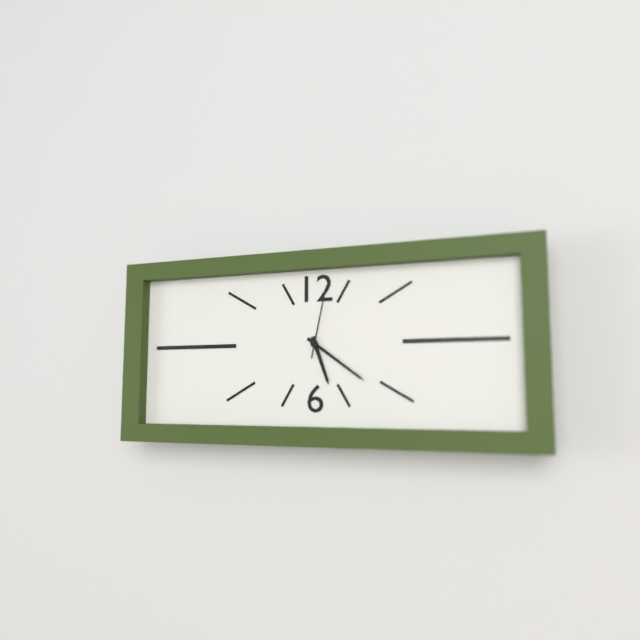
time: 5:21:02
